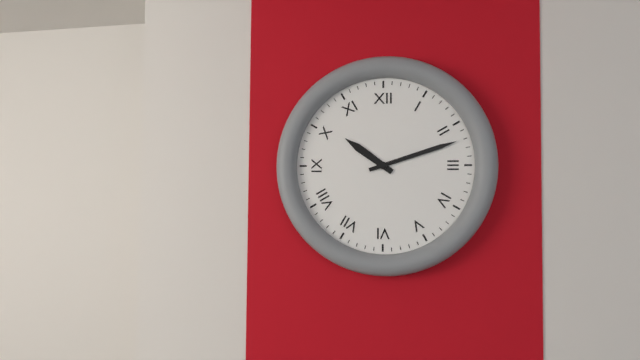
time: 10:12
